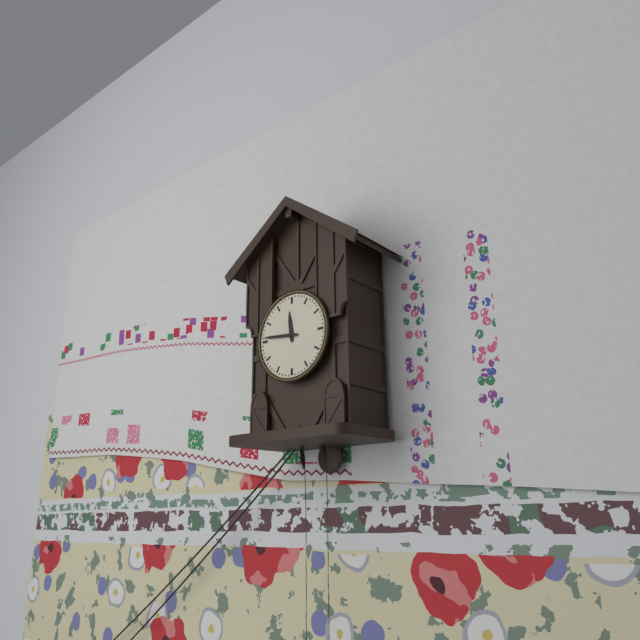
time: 11:46
